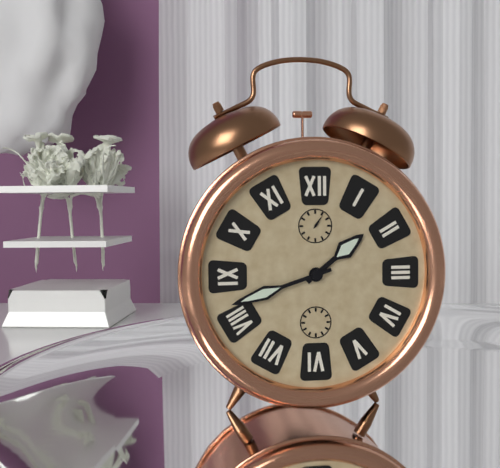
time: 1:42
